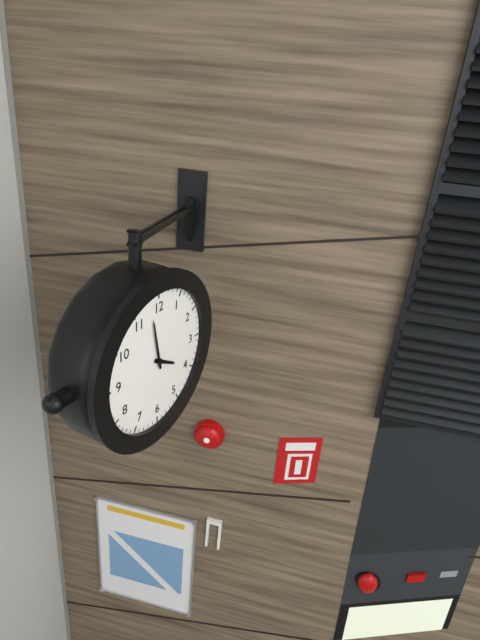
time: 3:58
